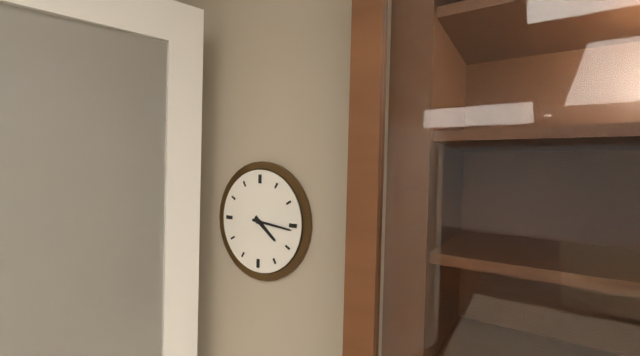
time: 4:16
